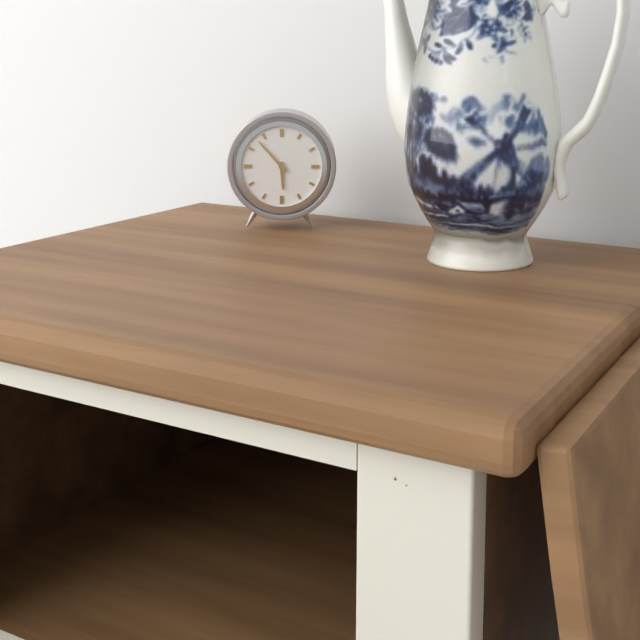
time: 5:53
